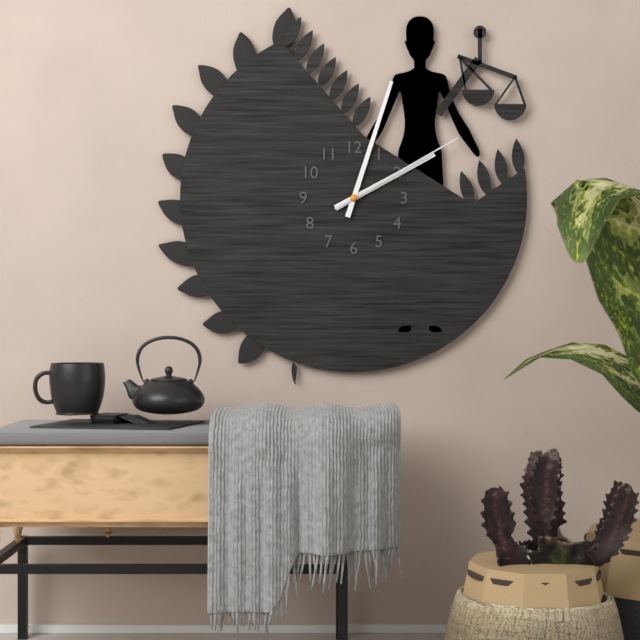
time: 2:03:10
